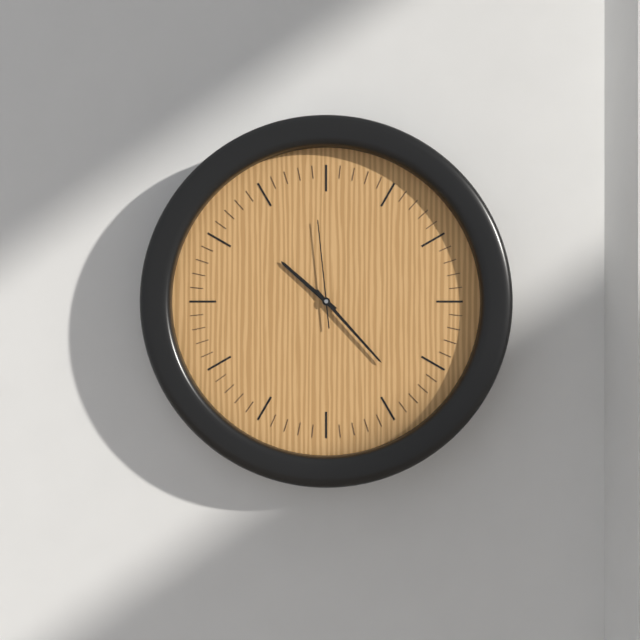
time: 10:23:59
